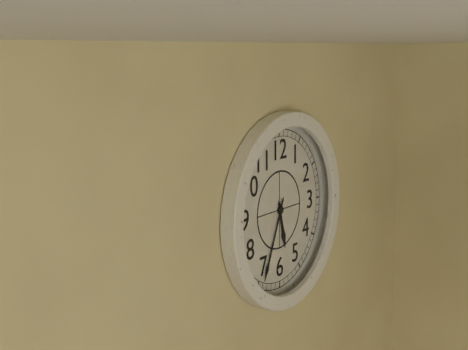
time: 5:34
